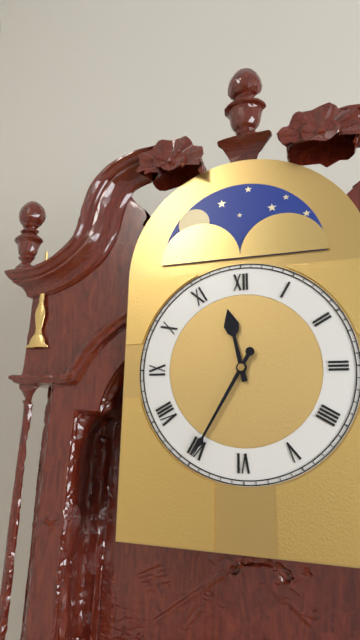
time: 11:35
